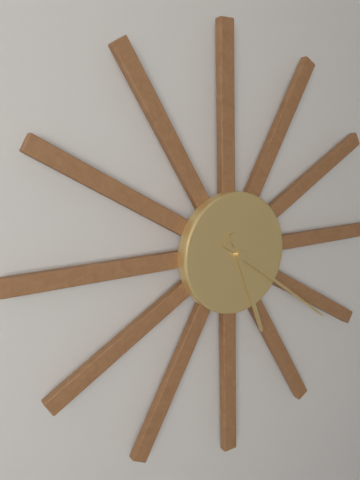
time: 5:21
